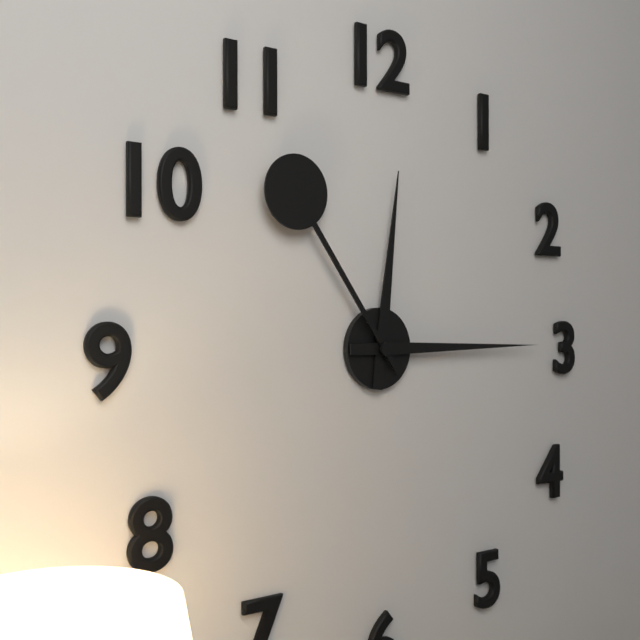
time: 12:15:54
